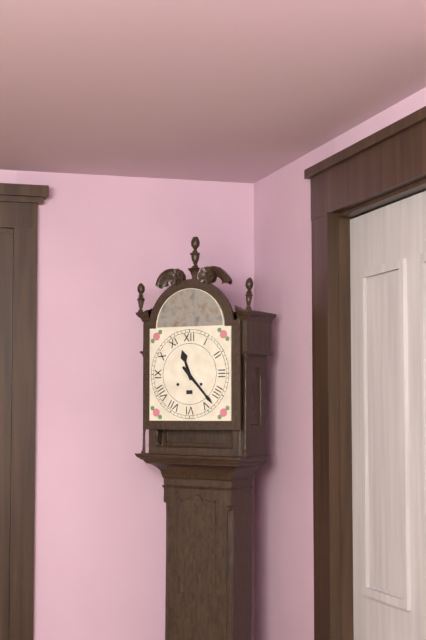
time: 11:23
